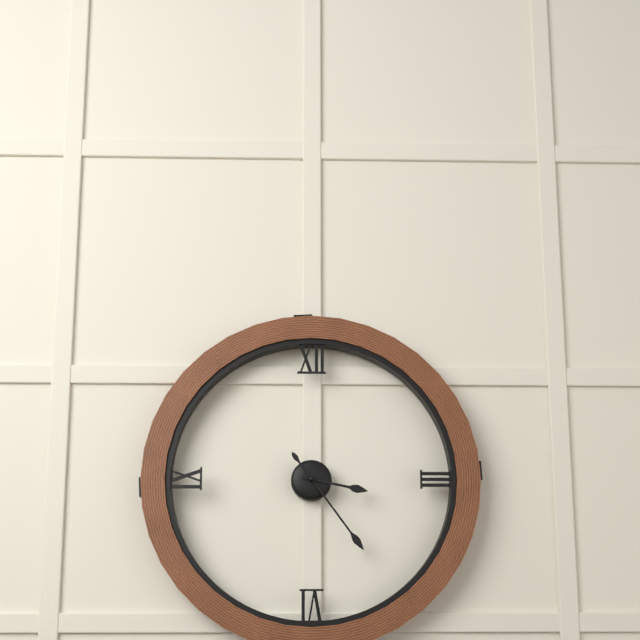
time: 3:24
